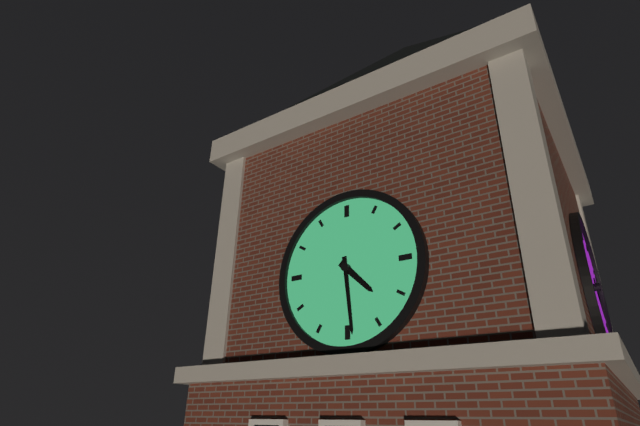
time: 4:29
